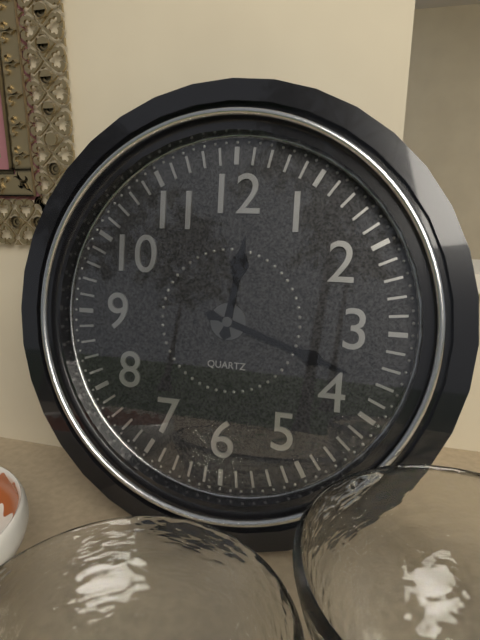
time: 12:18
